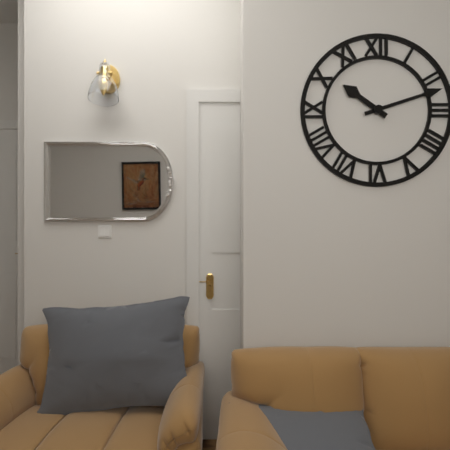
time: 10:12
